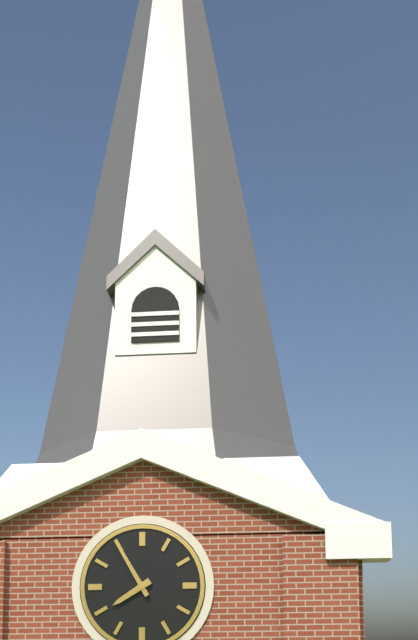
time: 7:55
